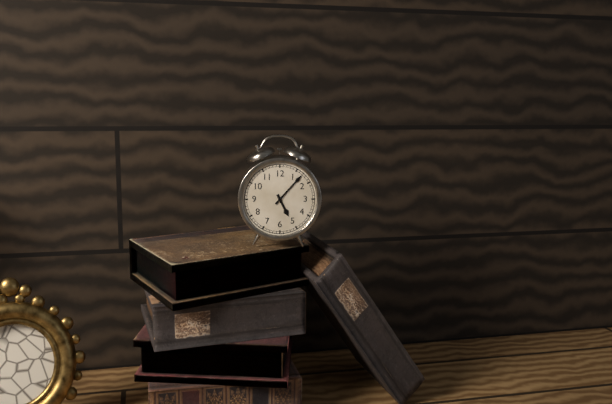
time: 5:07
